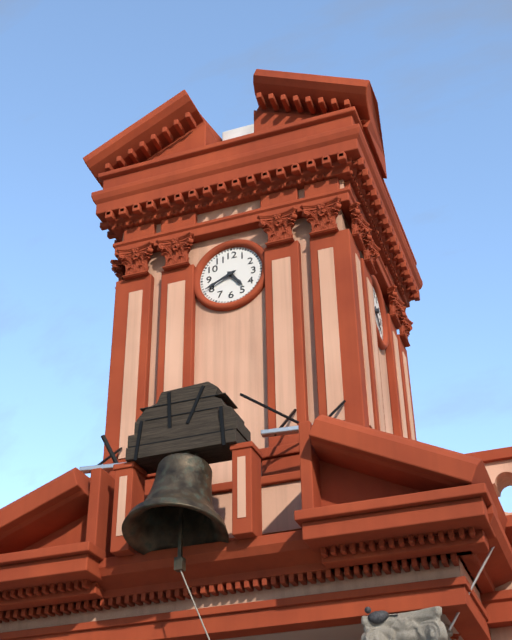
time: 4:41
